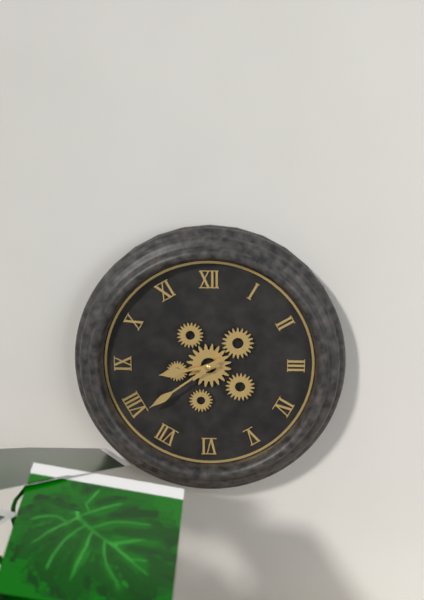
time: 8:39
